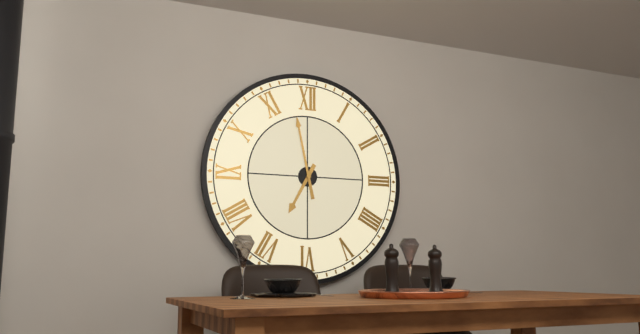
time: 6:58
